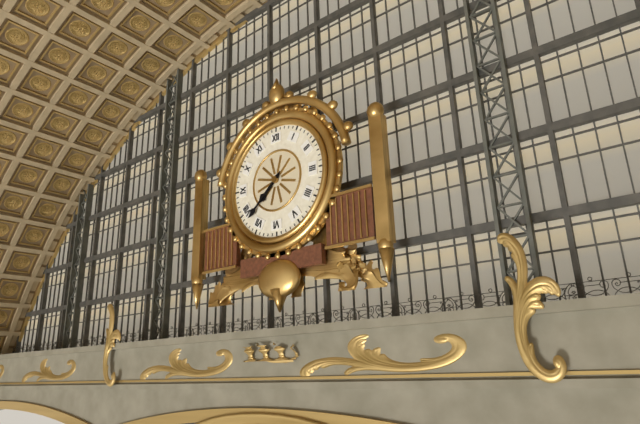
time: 7:38
